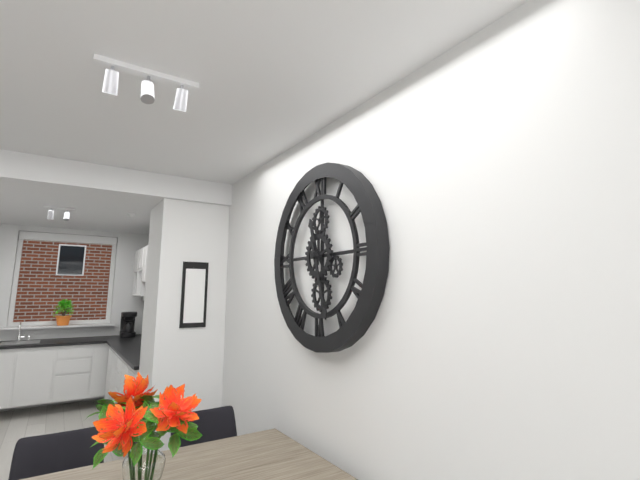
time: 11:27
